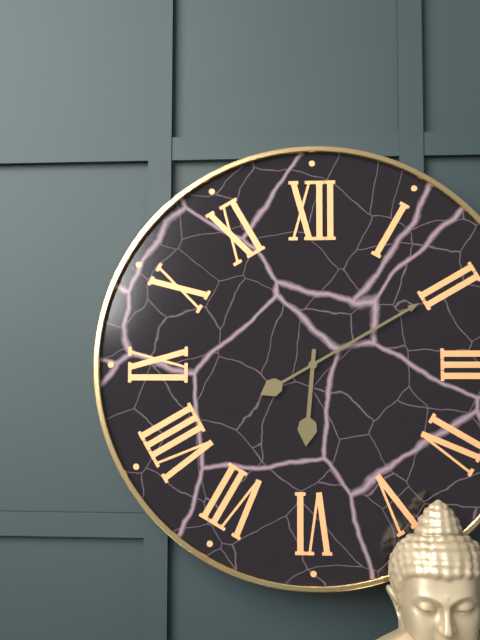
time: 6:10
